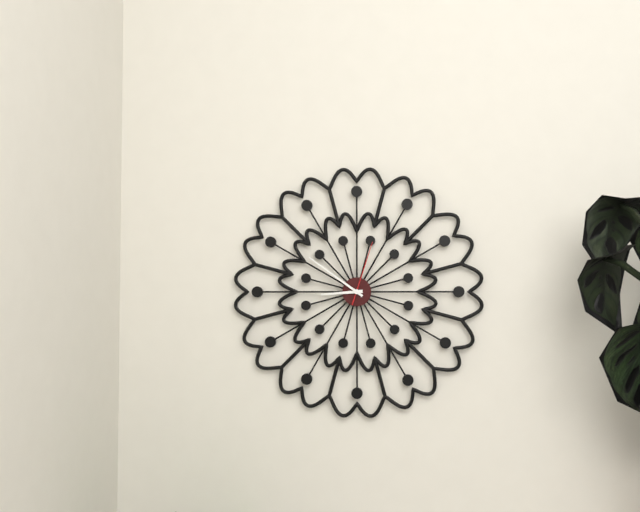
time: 8:51:03
